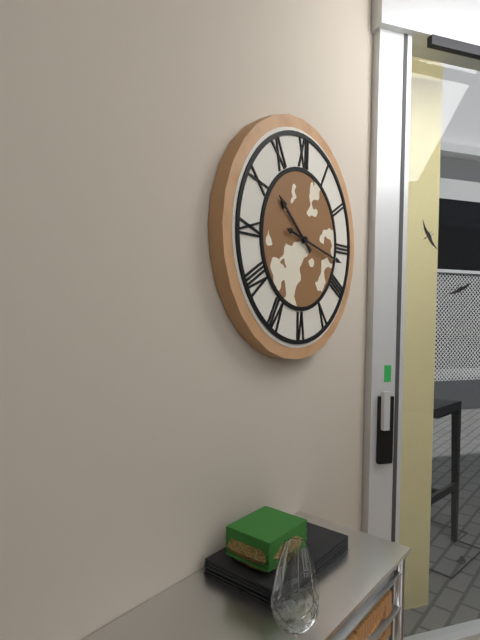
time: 10:17
